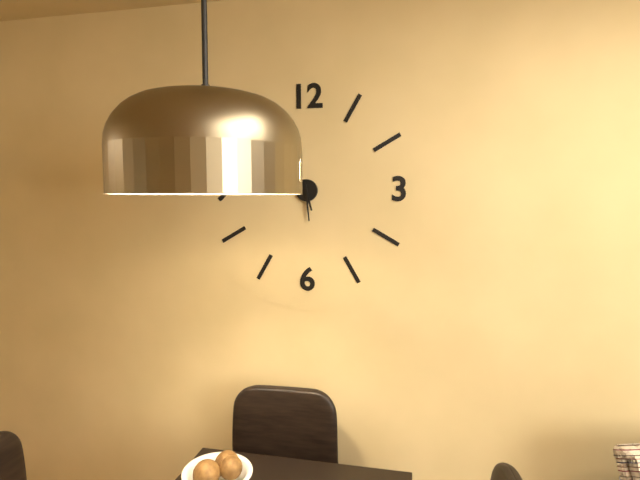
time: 5:29
